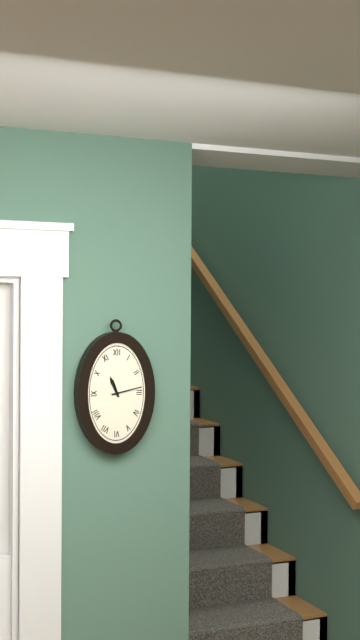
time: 11:13
